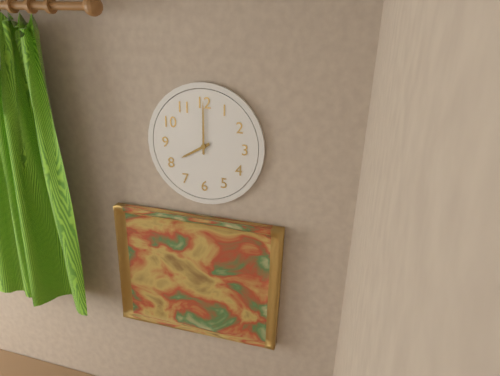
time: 8:00
